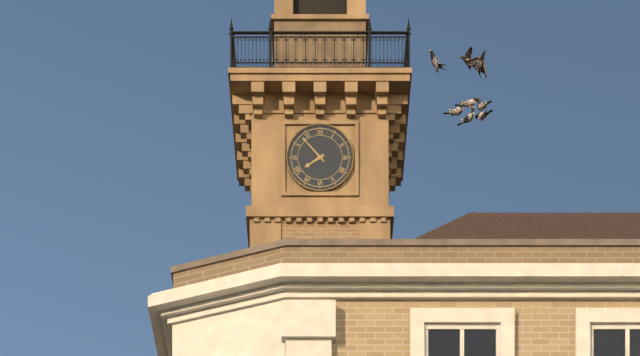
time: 7:53
